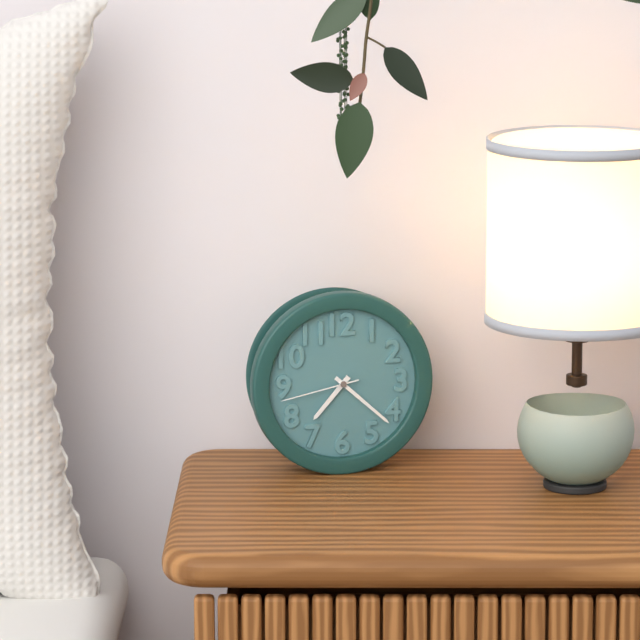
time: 7:22:43
